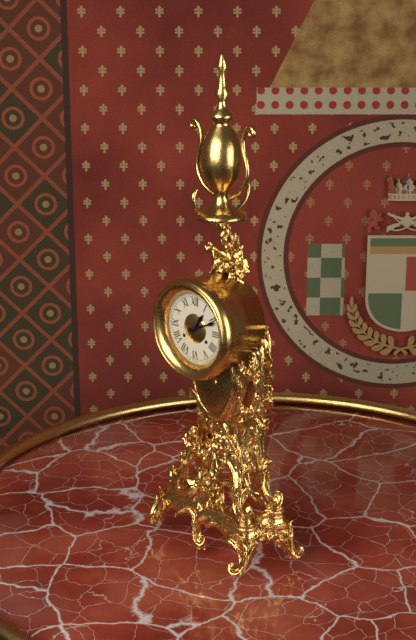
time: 1:11
